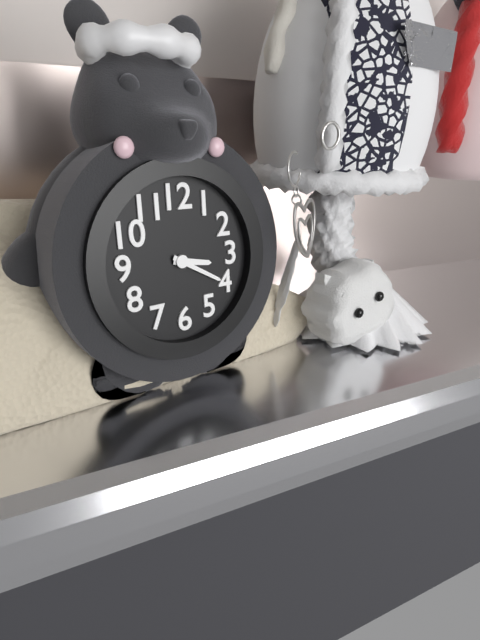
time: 3:20
